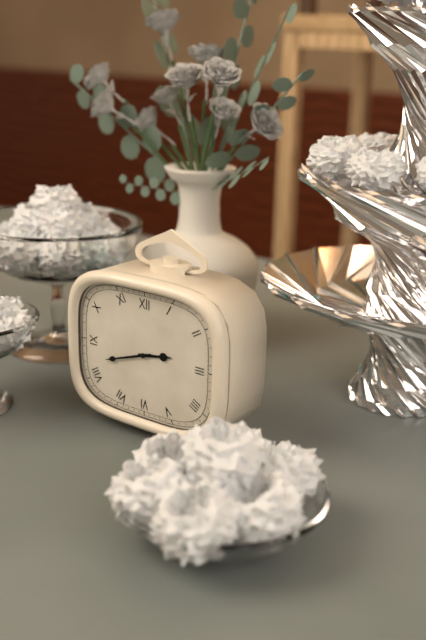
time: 2:42
